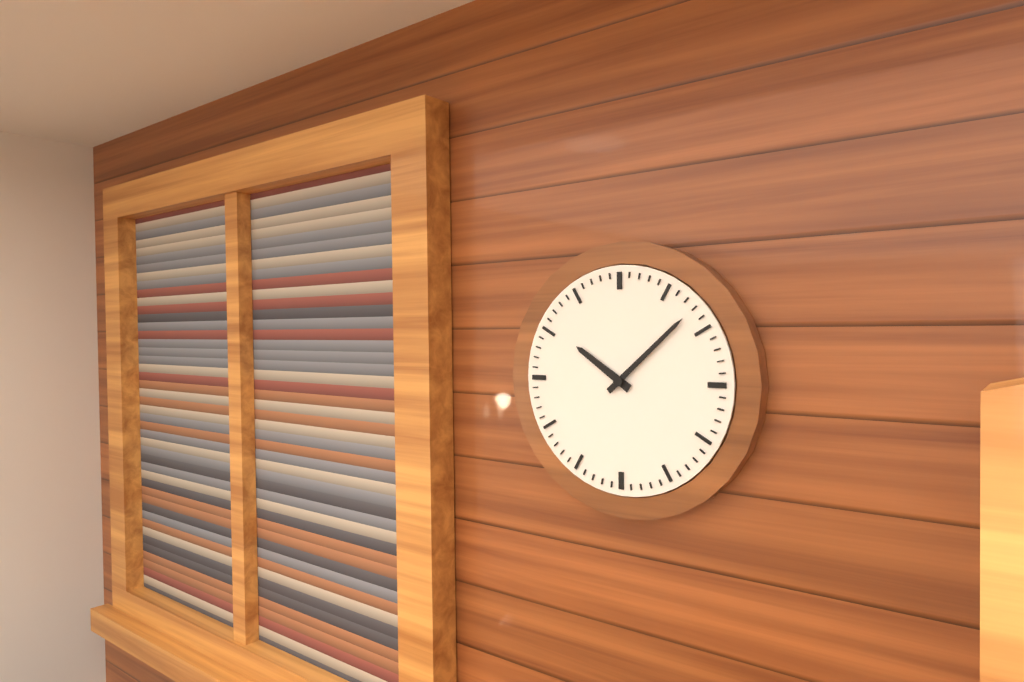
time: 10:08
